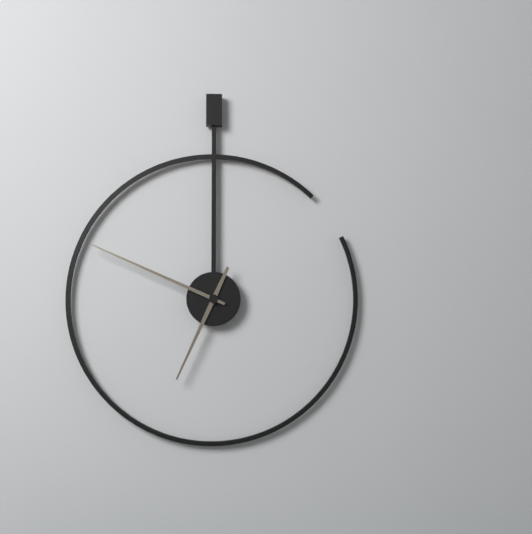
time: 6:49
